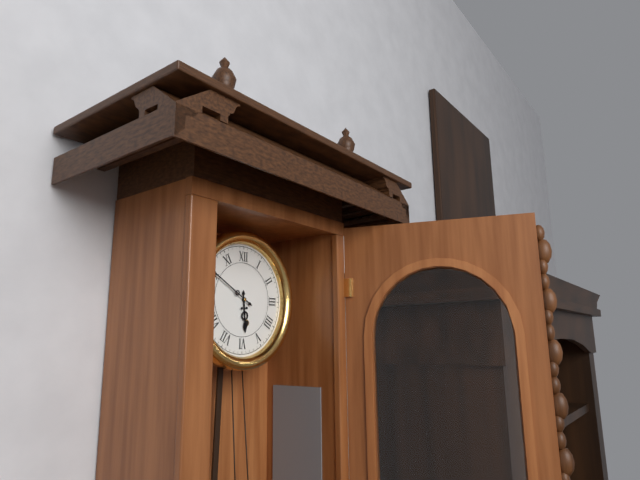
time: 5:50
